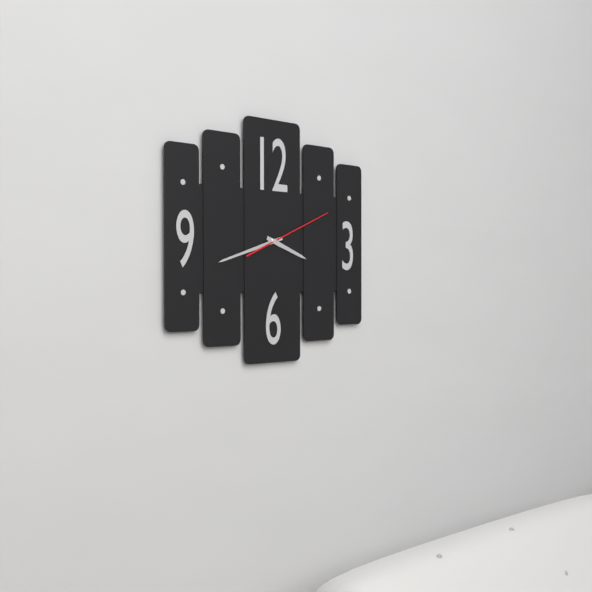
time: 3:42:11
